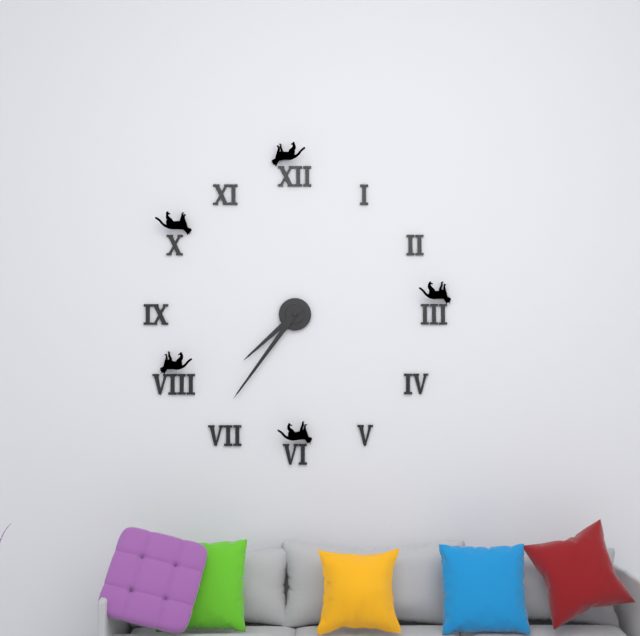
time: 7:36
